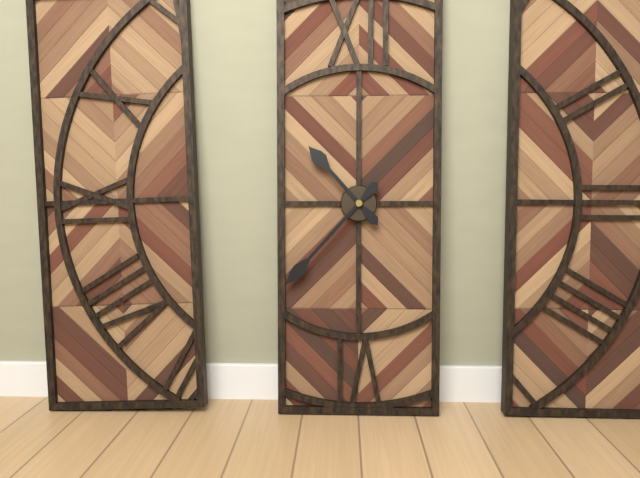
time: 10:37
